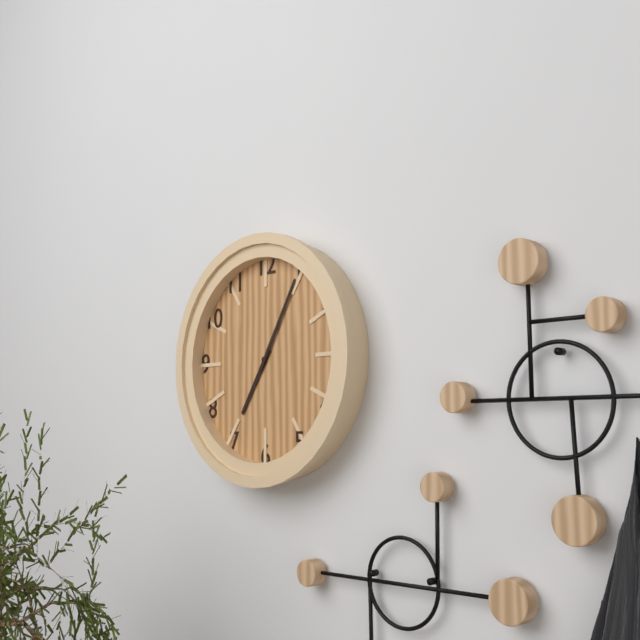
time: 7:05
